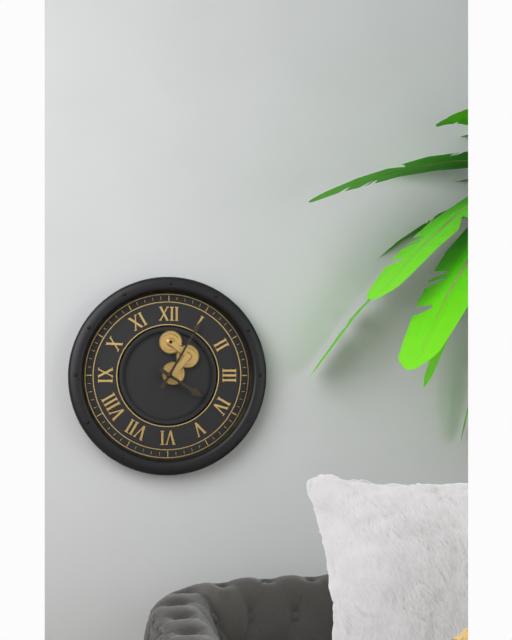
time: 4:05
